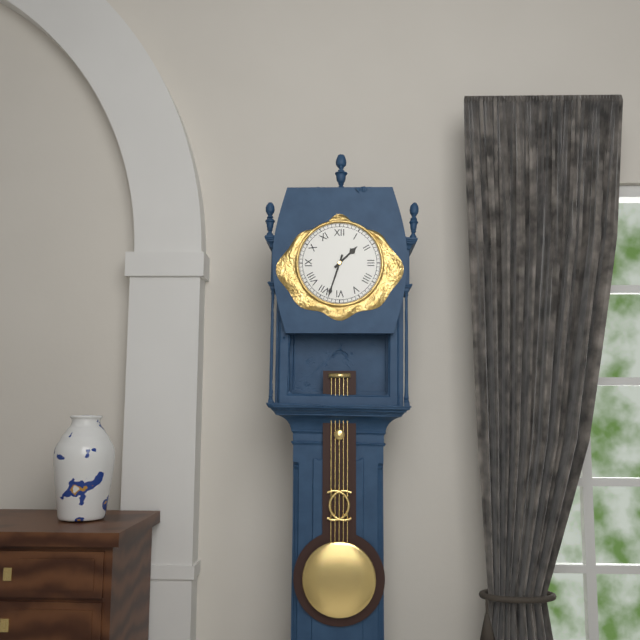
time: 1:33
